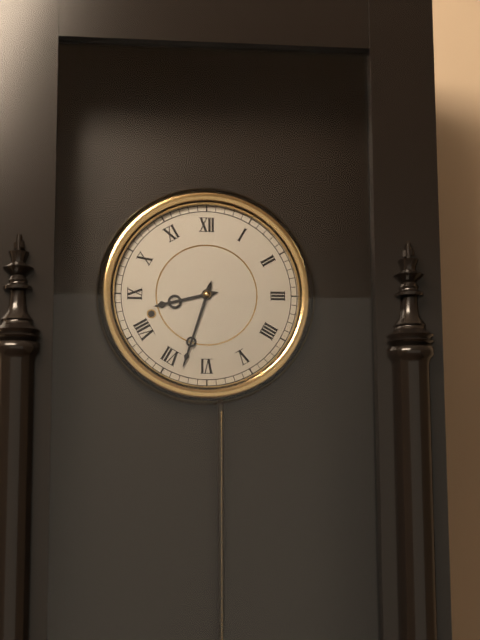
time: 8:33
